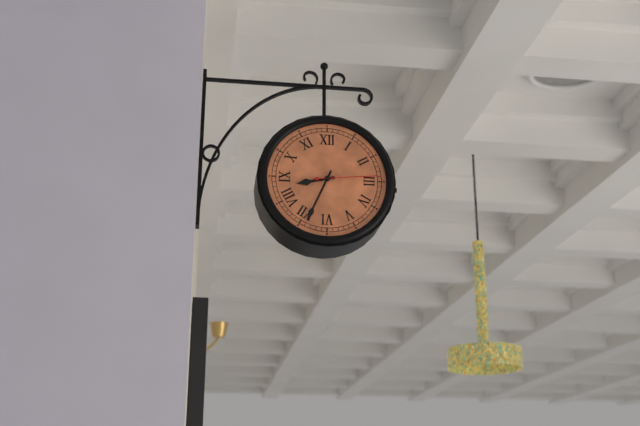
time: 8:34:14
